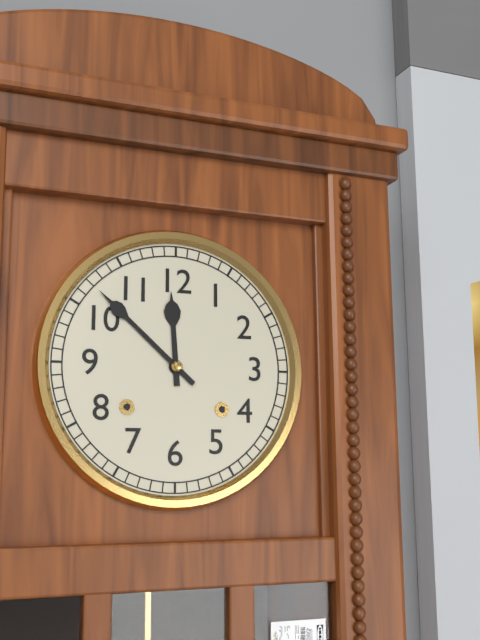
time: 11:52
